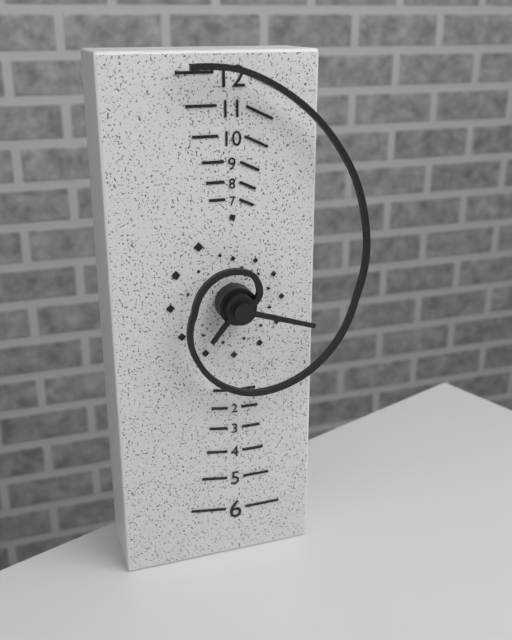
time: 7:18
